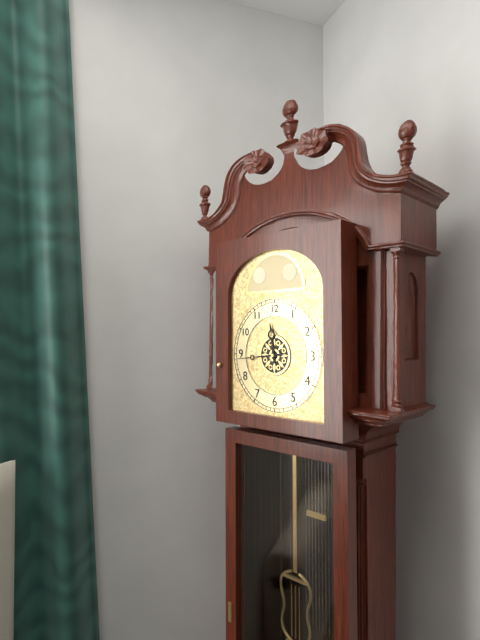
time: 11:44
